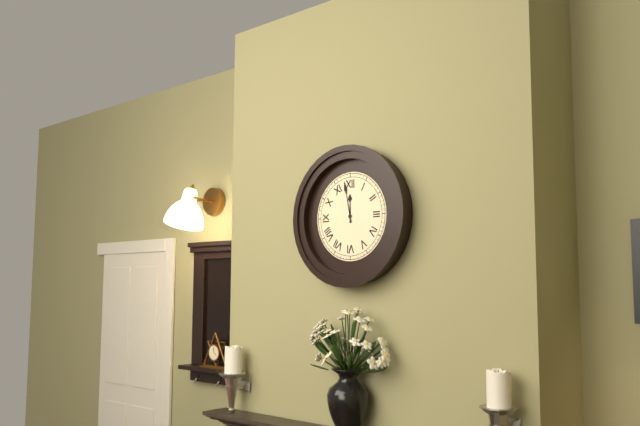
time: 11:58
